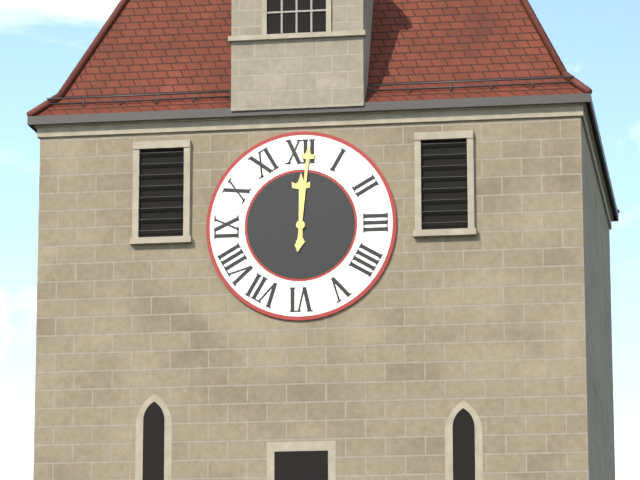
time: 12:01
